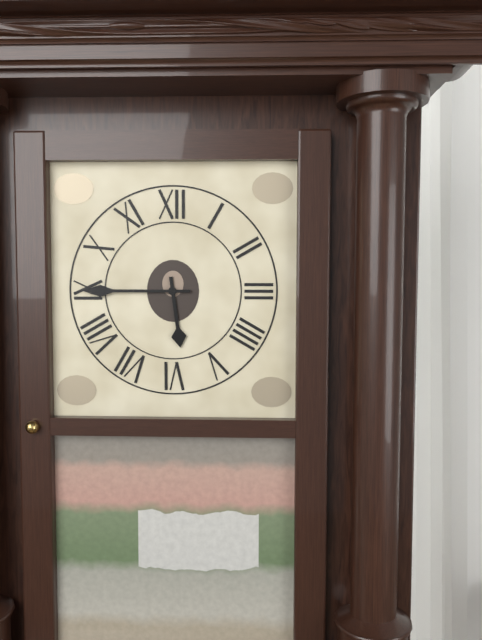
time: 5:45
